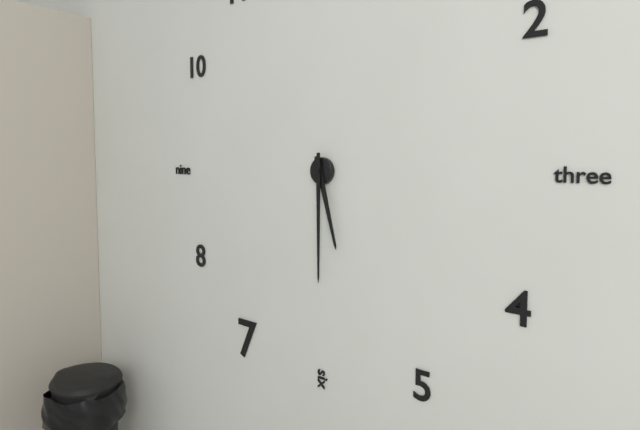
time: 5:30
